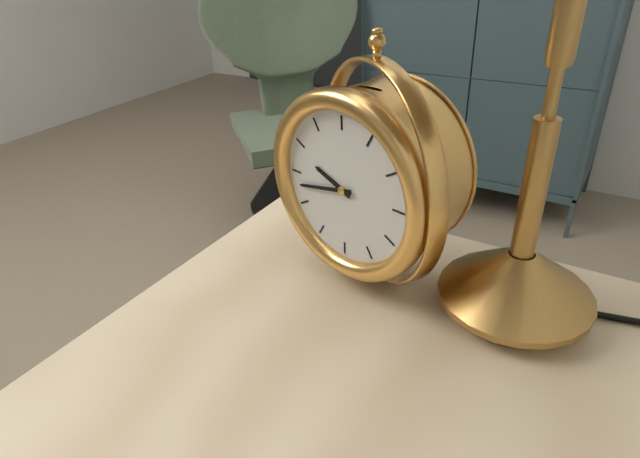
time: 9:43
